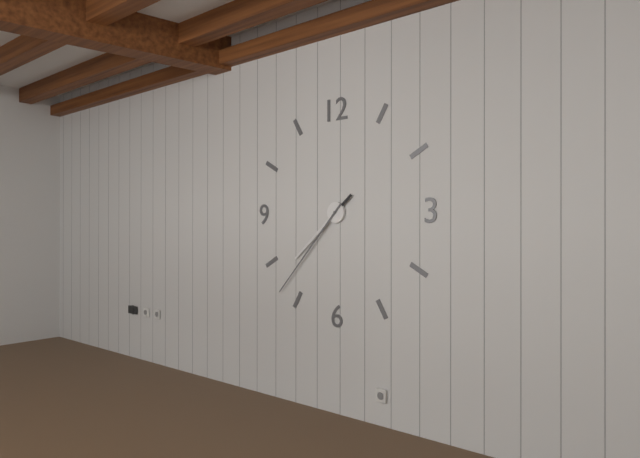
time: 7:37
